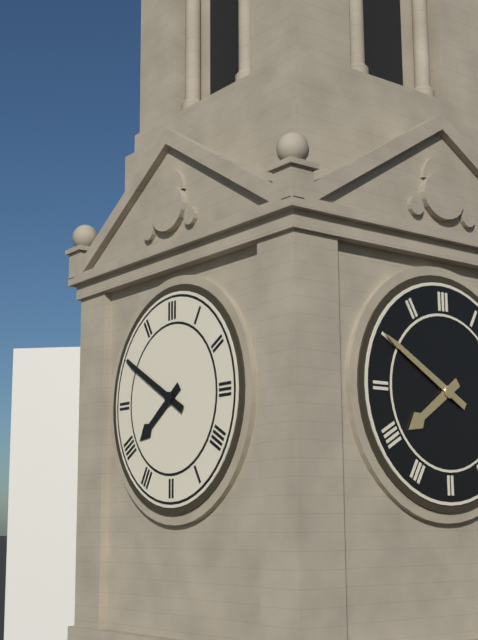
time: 7:50
